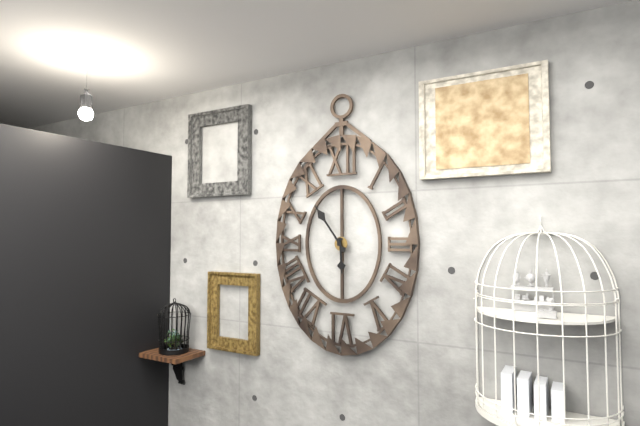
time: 5:54
